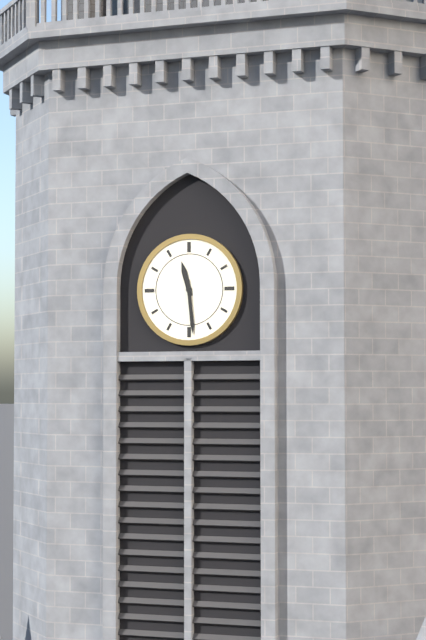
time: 11:29
